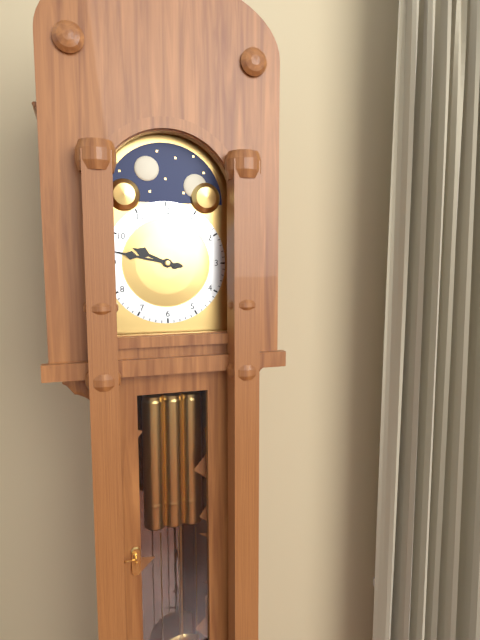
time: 9:47
